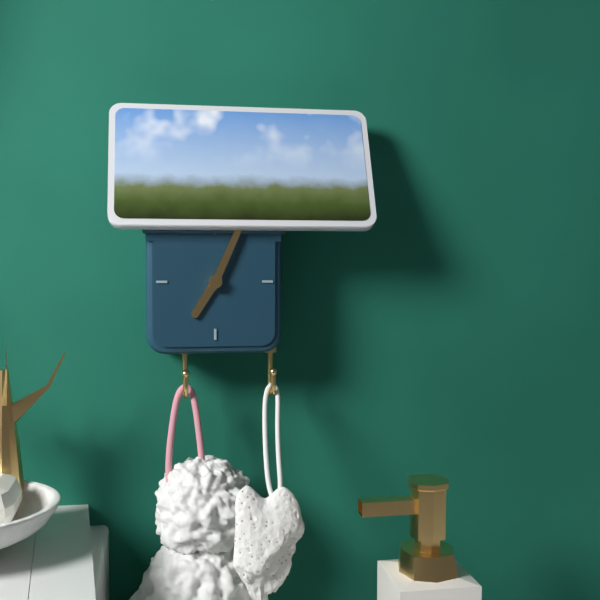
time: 7:04
